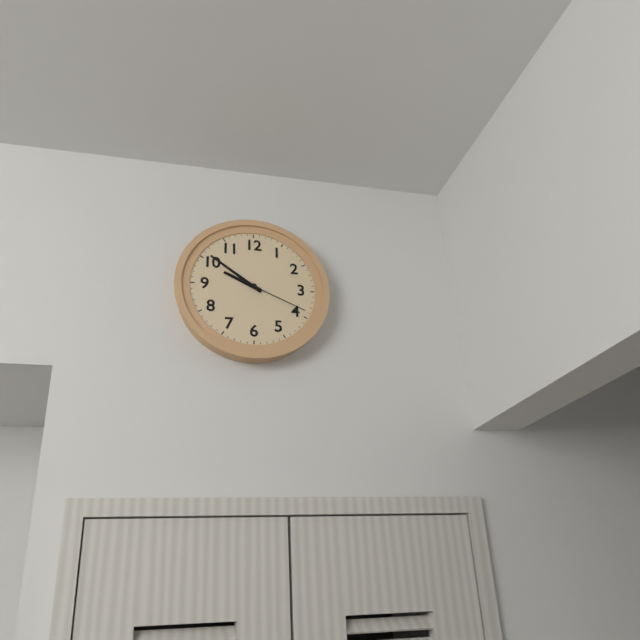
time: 9:51:19
